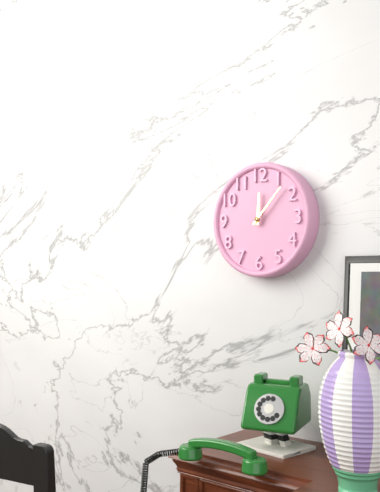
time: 12:07
